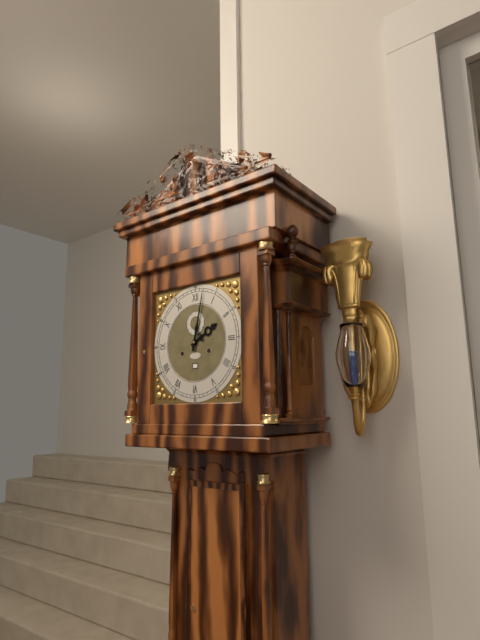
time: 2:02
